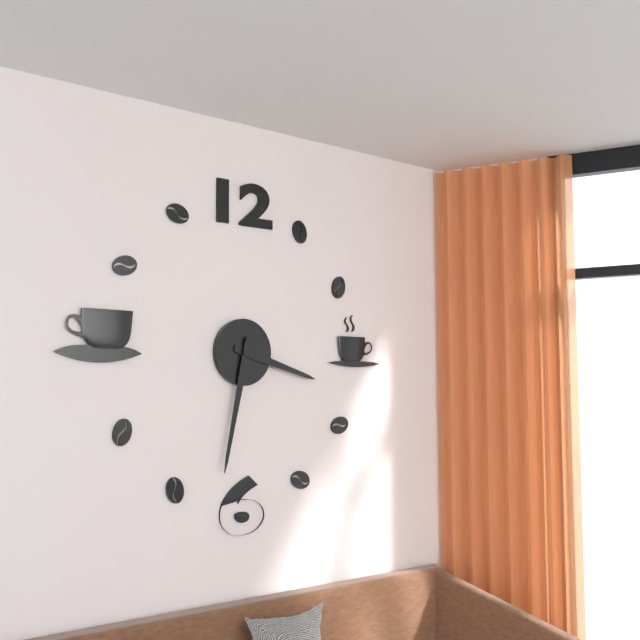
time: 3:32
